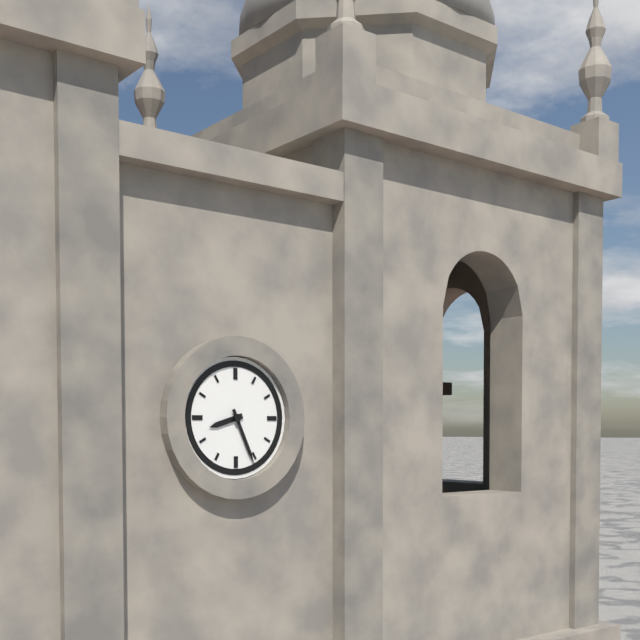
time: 8:26
